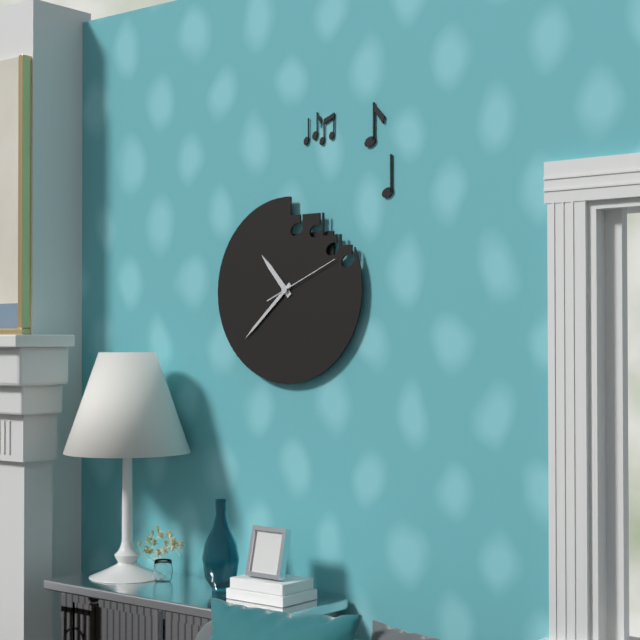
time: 10:38:11
